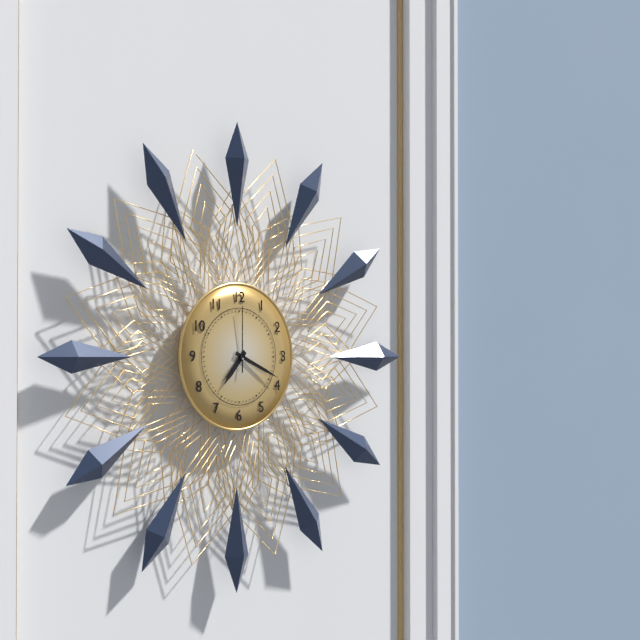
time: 7:19:00
